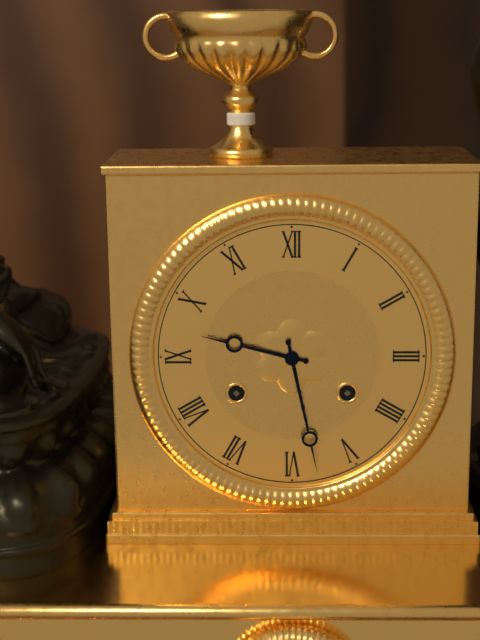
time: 9:28
